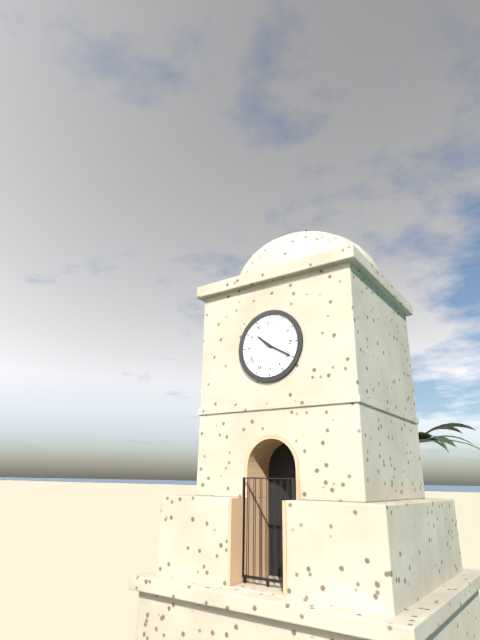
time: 10:20
